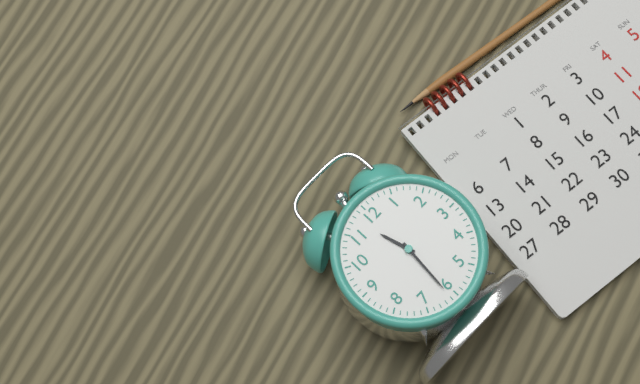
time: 11:31
